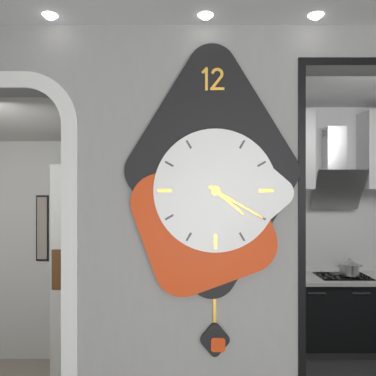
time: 4:20
